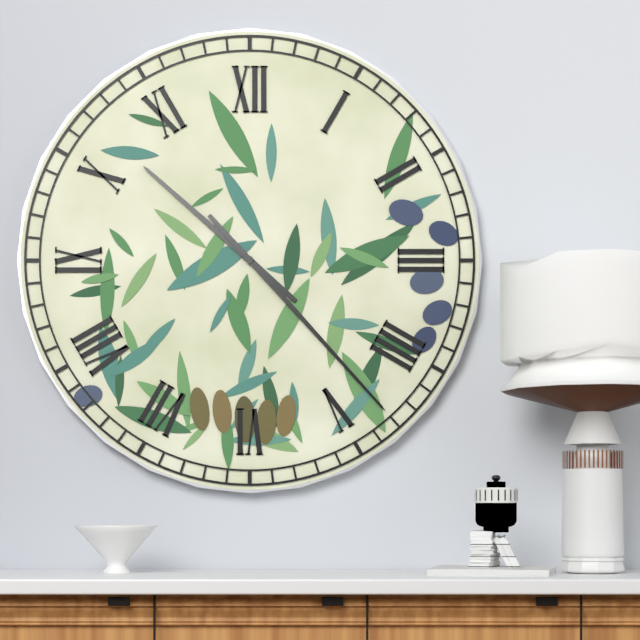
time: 10:23
